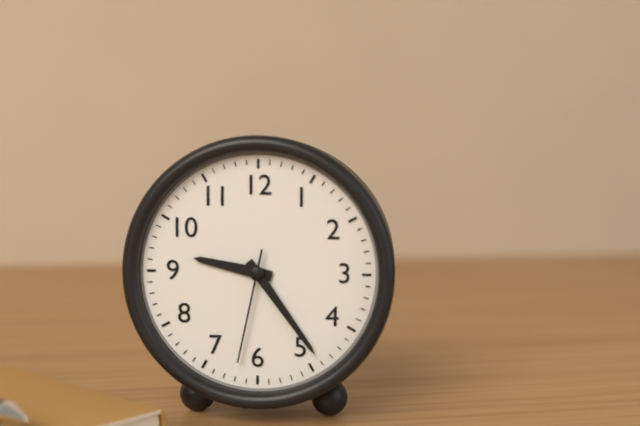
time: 9:24:32
